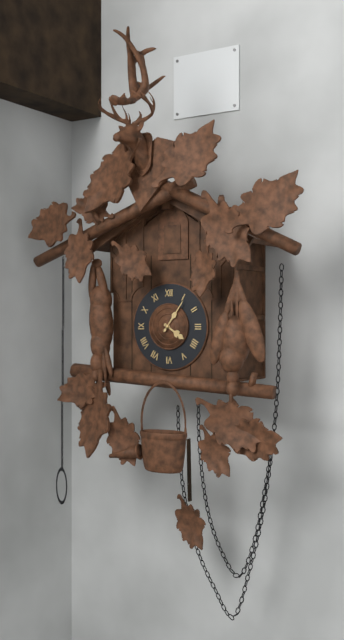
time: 4:06
